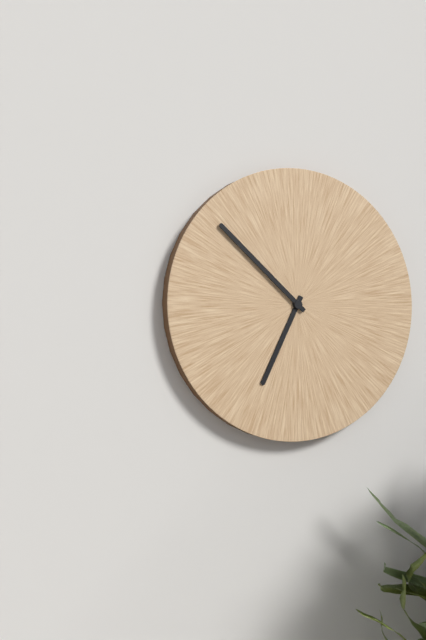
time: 6:52
